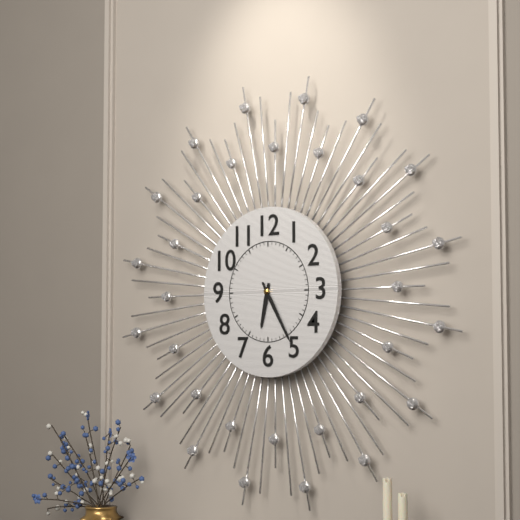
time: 6:25
